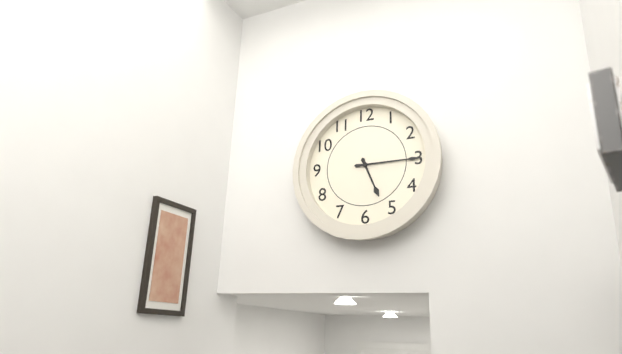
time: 5:15
